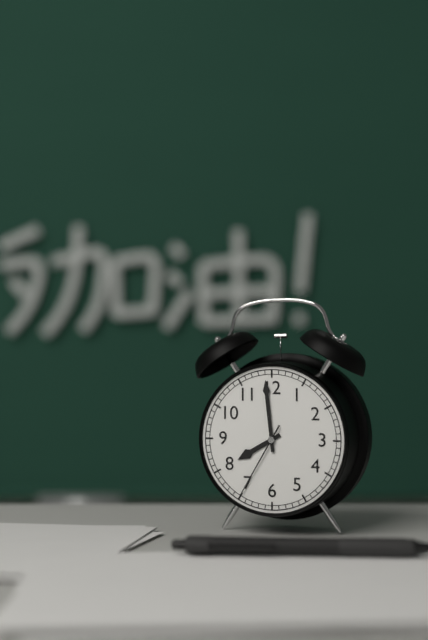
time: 7:59:35
